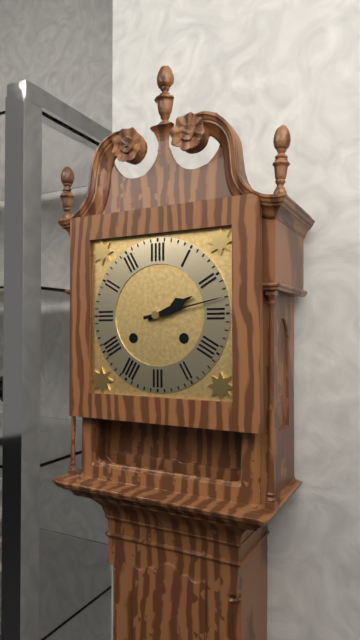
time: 2:13
